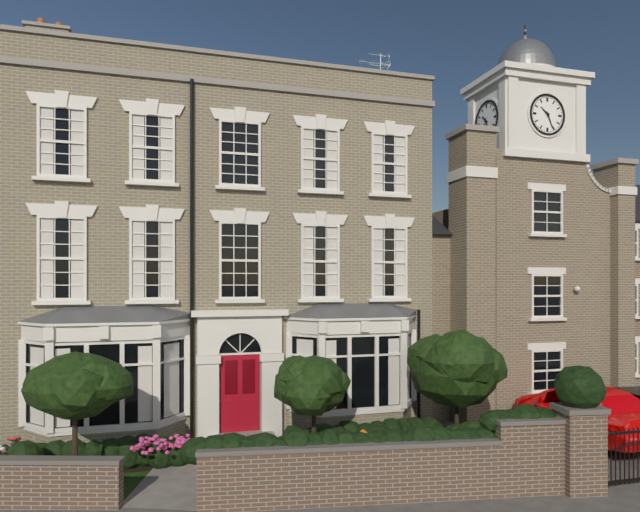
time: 10:26
